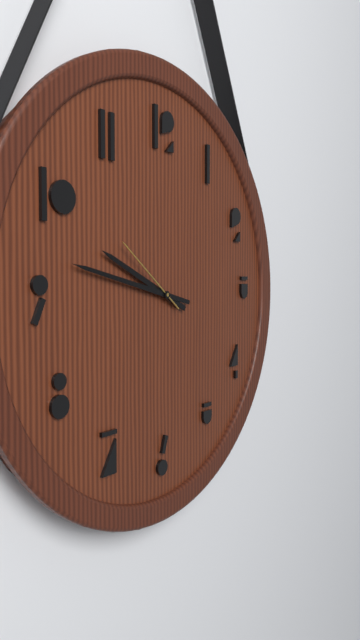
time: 9:47:51
